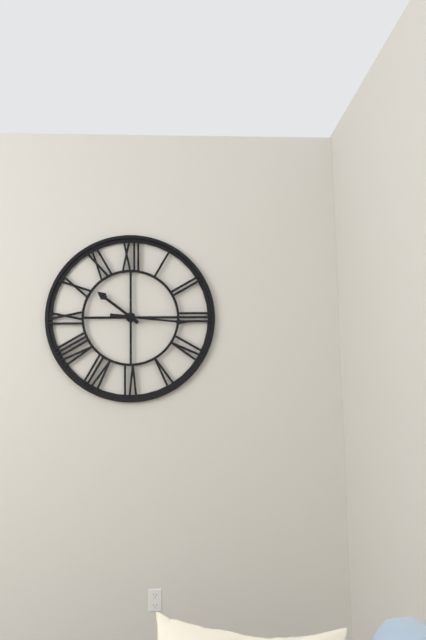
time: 10:16
